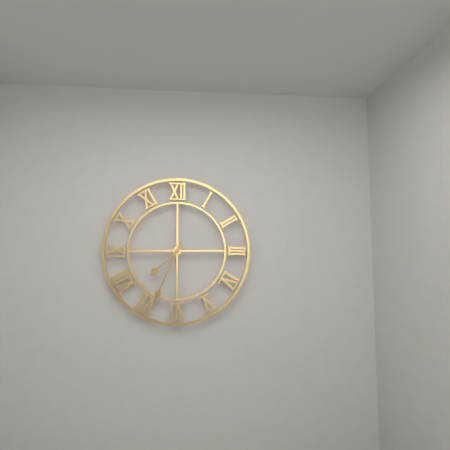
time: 7:34
